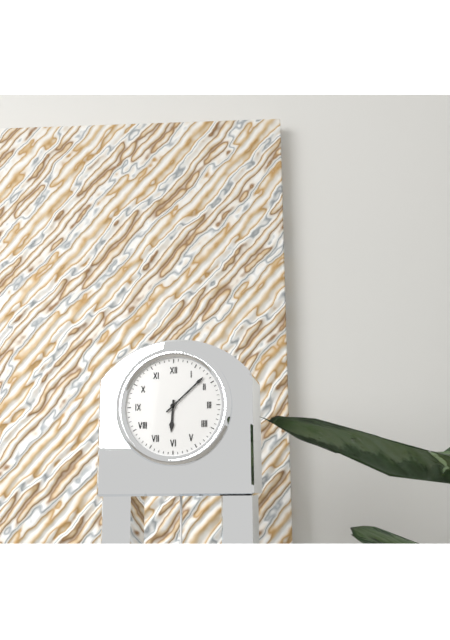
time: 6:08
